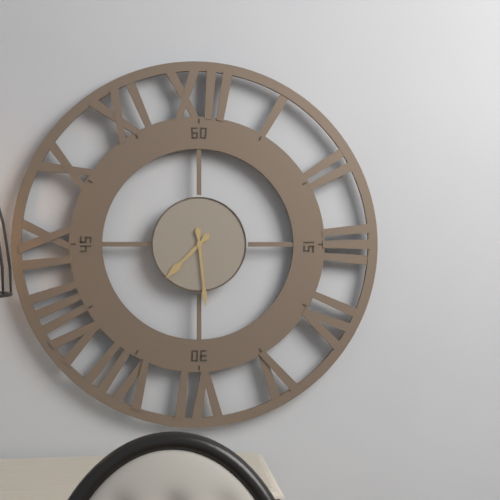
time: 7:29
